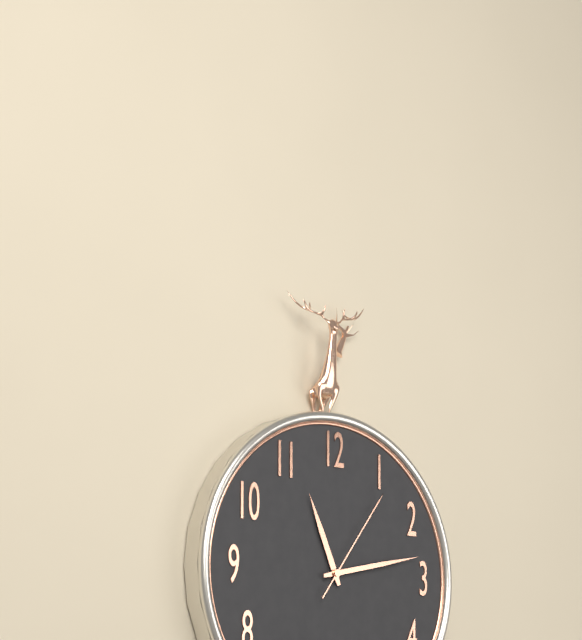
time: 11:13:06
